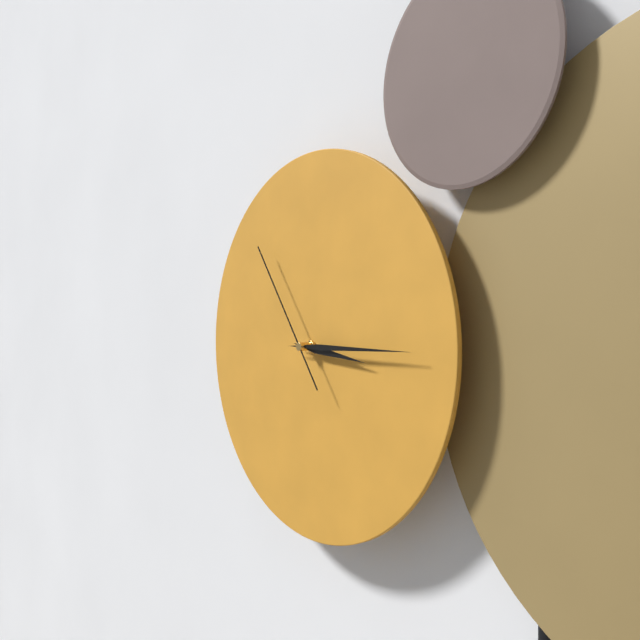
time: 3:15:54
